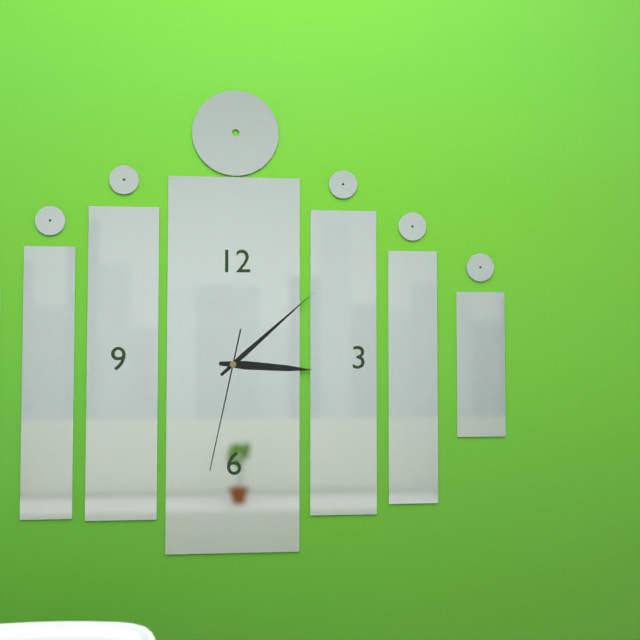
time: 3:08:32
